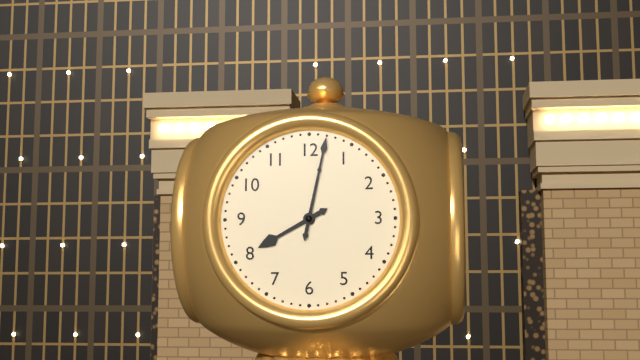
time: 8:02
